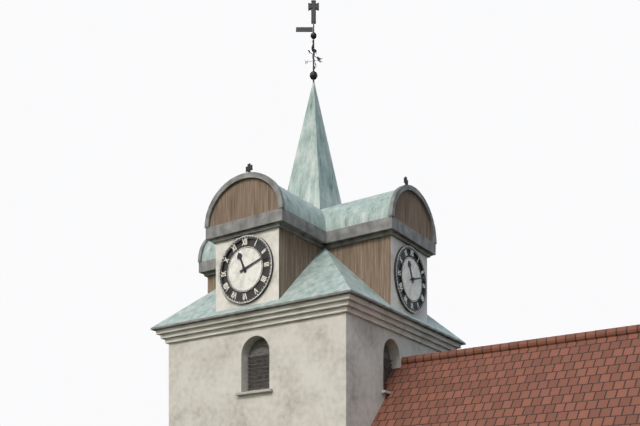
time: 11:12
